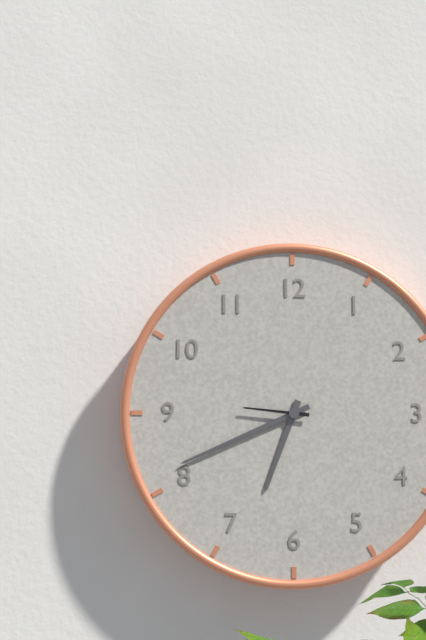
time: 6:41:46
